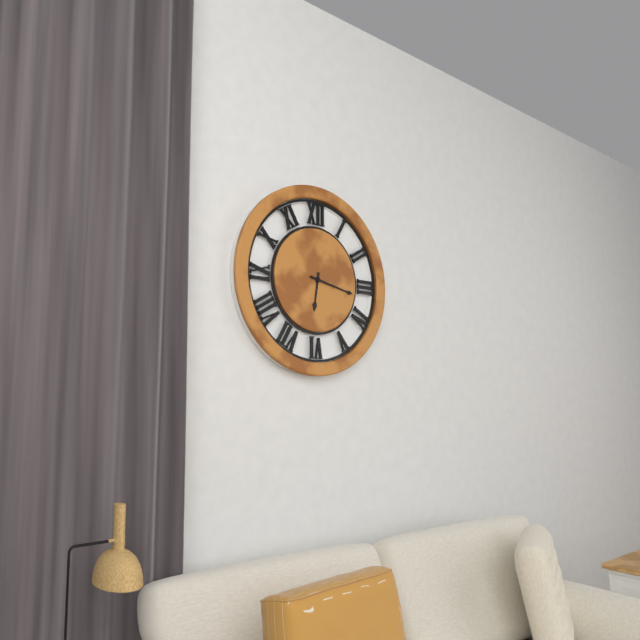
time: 6:17
